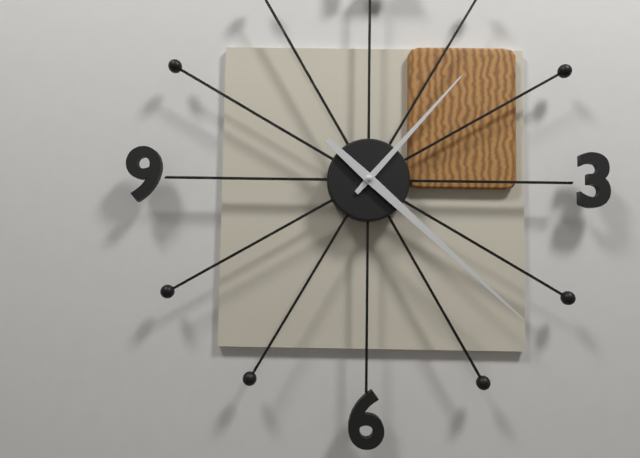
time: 1:22
